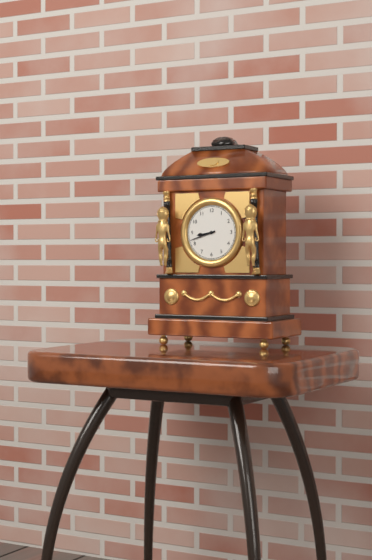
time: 8:42
